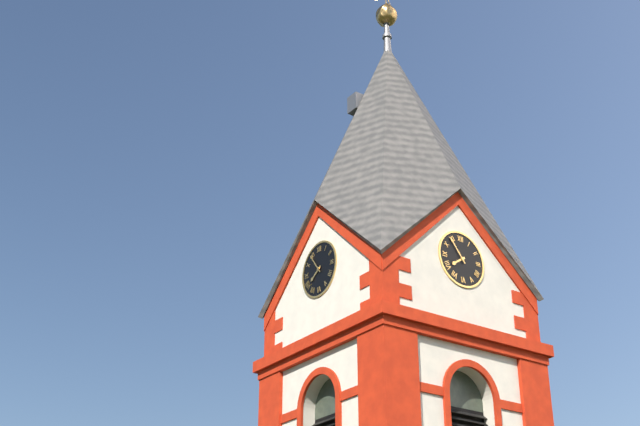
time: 7:54
